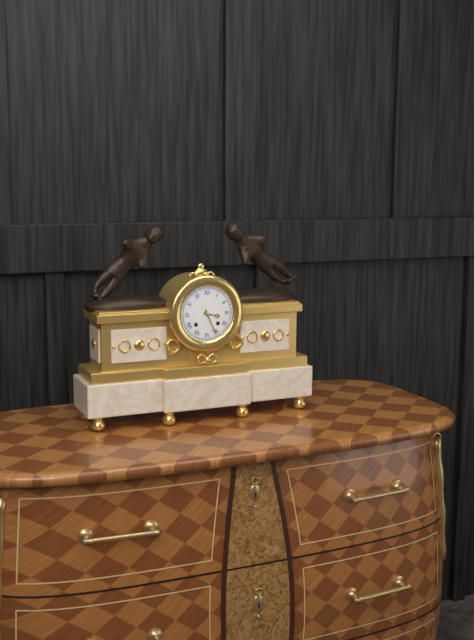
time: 3:26
